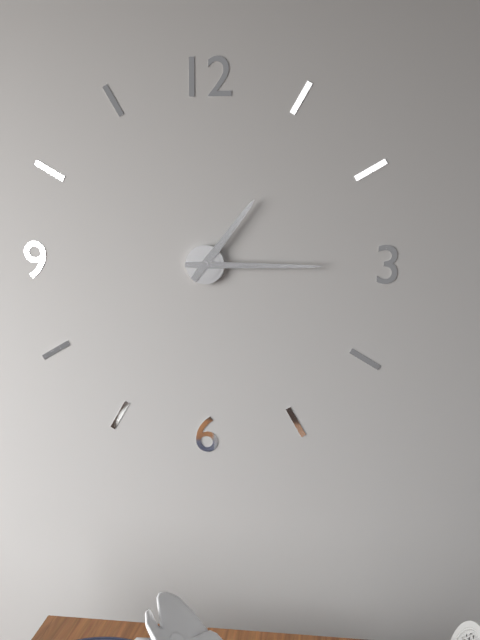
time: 1:15
